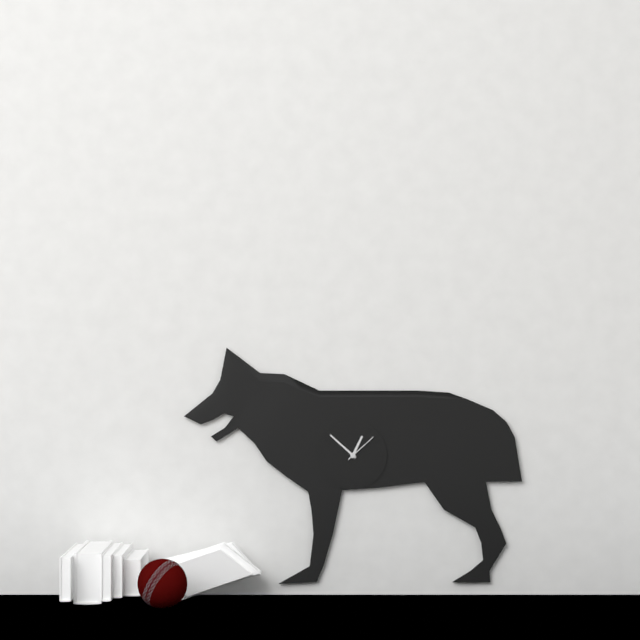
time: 12:52
